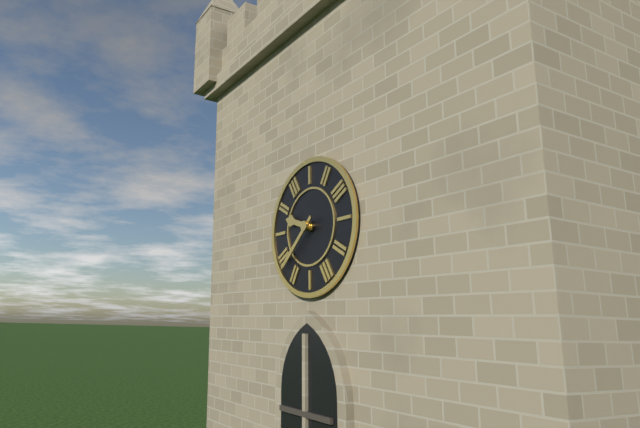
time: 9:38
